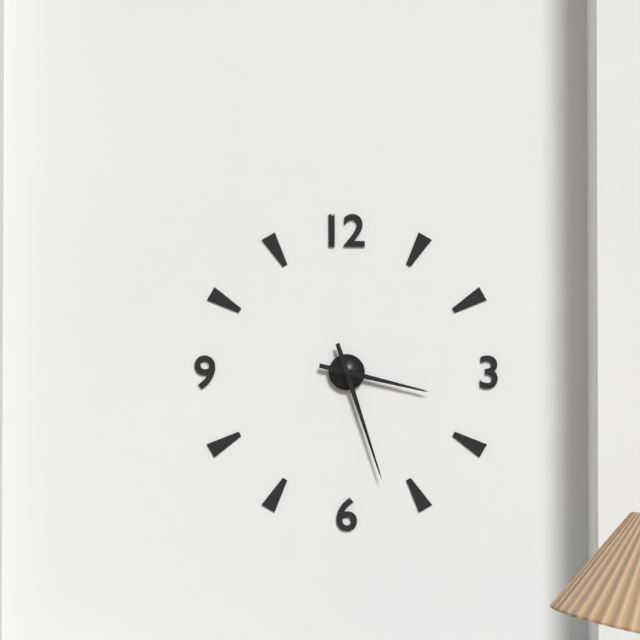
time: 3:27
